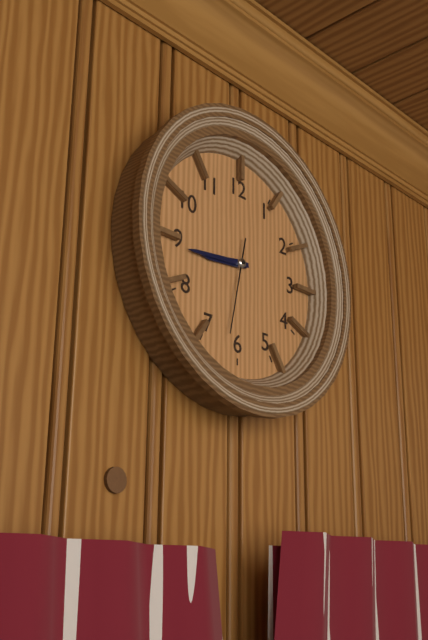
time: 8:44:32
